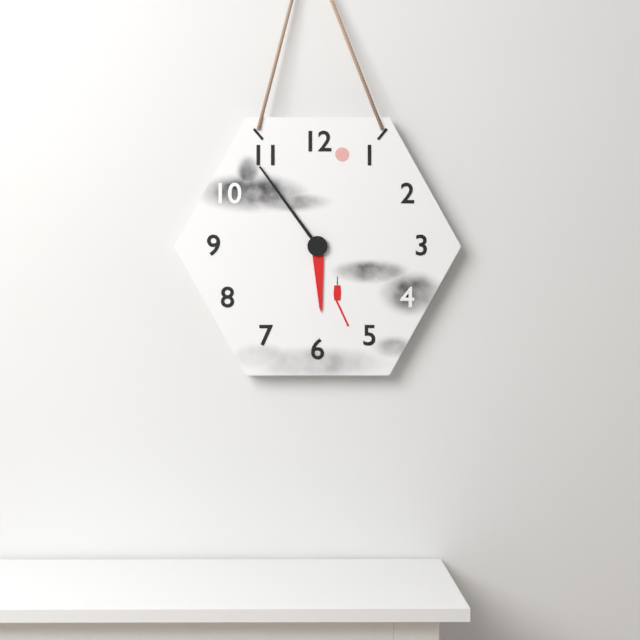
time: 5:54
